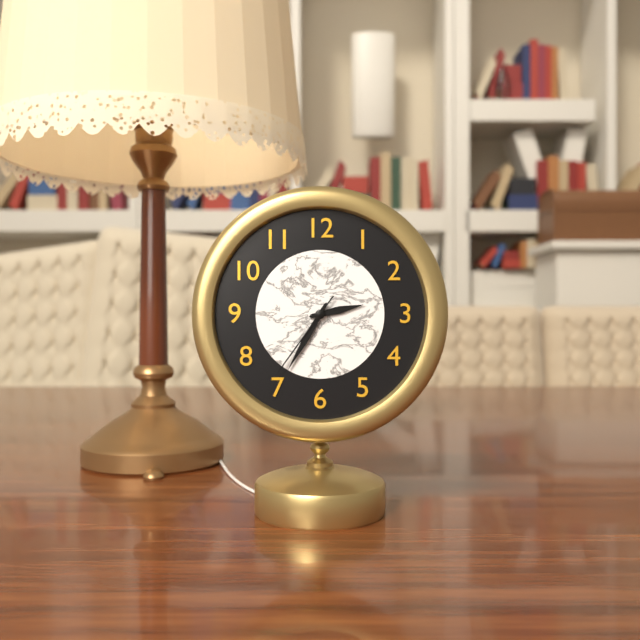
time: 2:35:36
